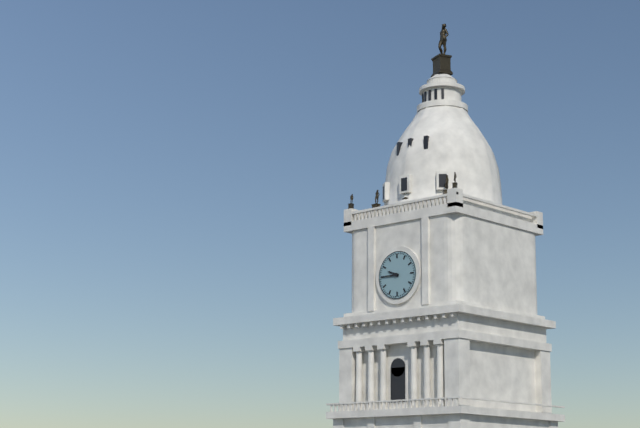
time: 9:45
